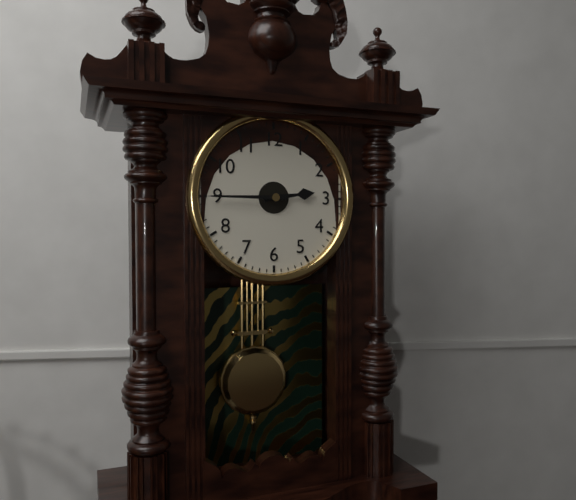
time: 2:45
